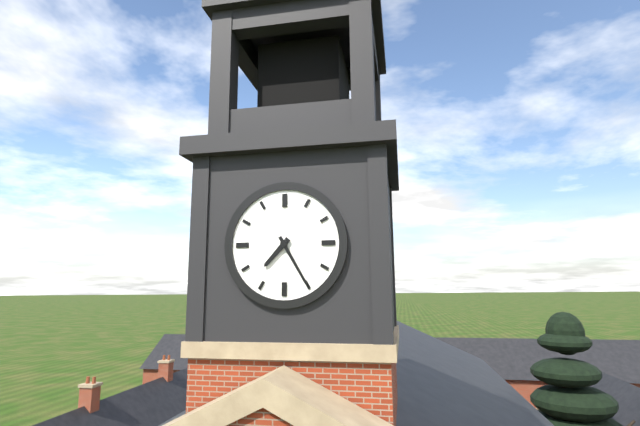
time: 7:25
